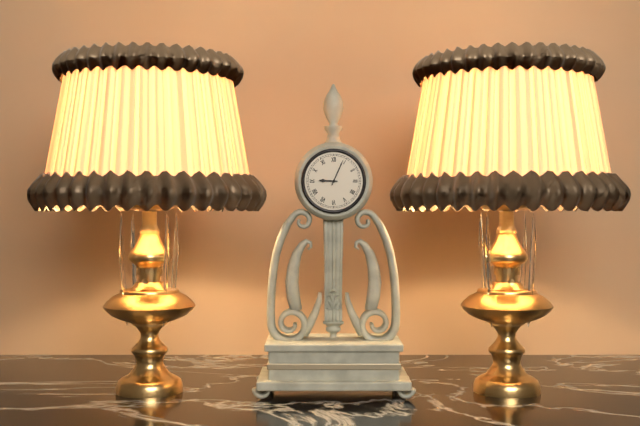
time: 9:04
